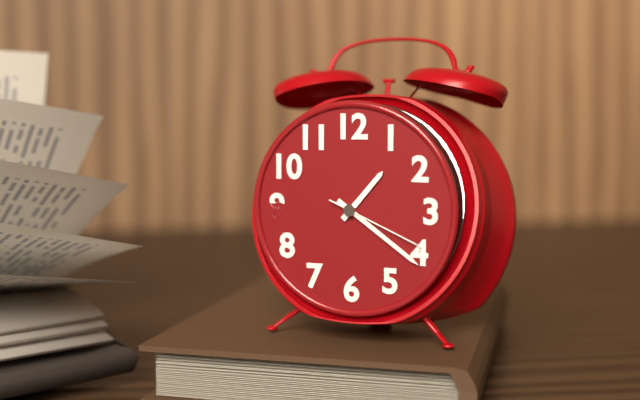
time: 1:21:19
